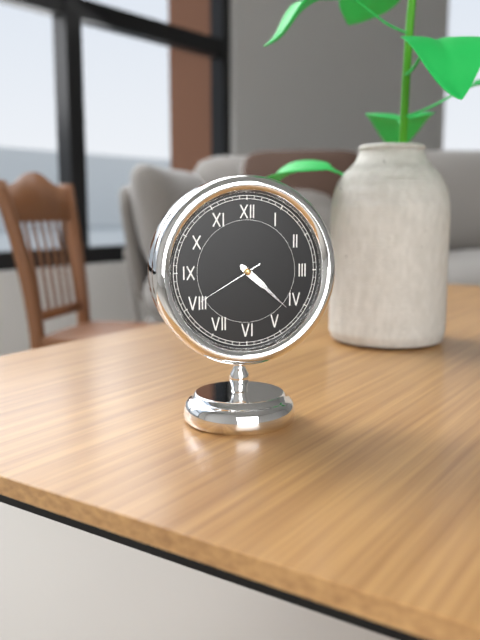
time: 4:22:40
